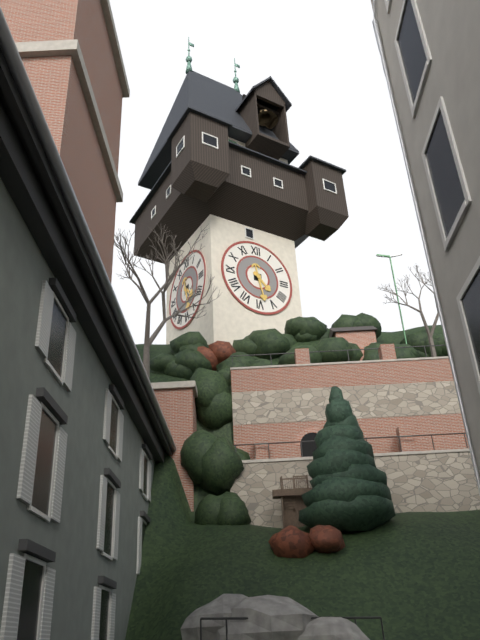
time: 4:28
